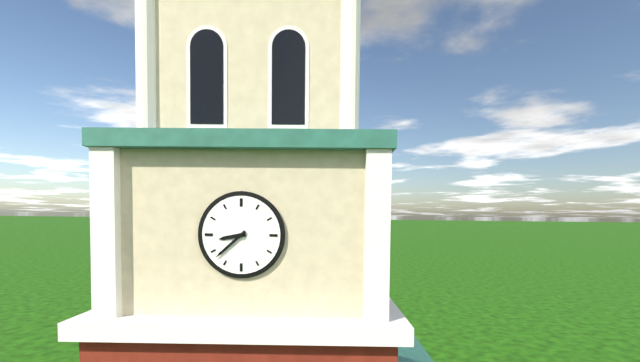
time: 8:38
